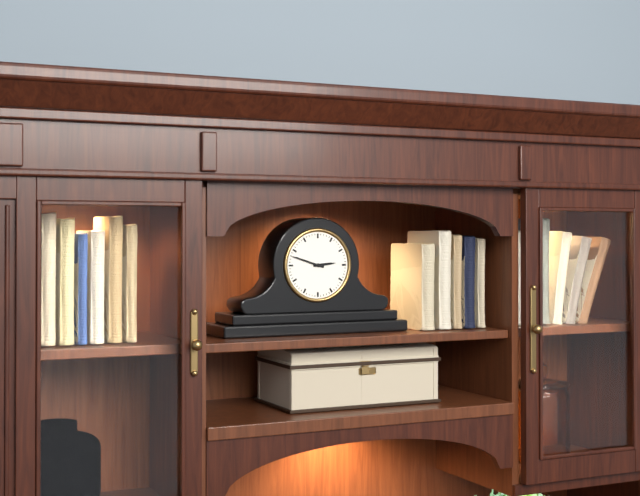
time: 2:48
